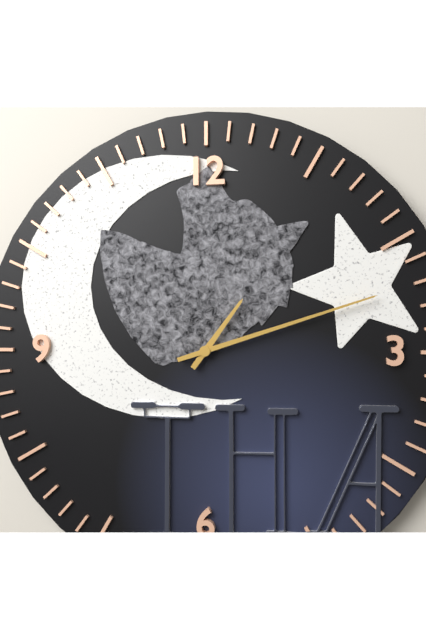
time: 1:12
